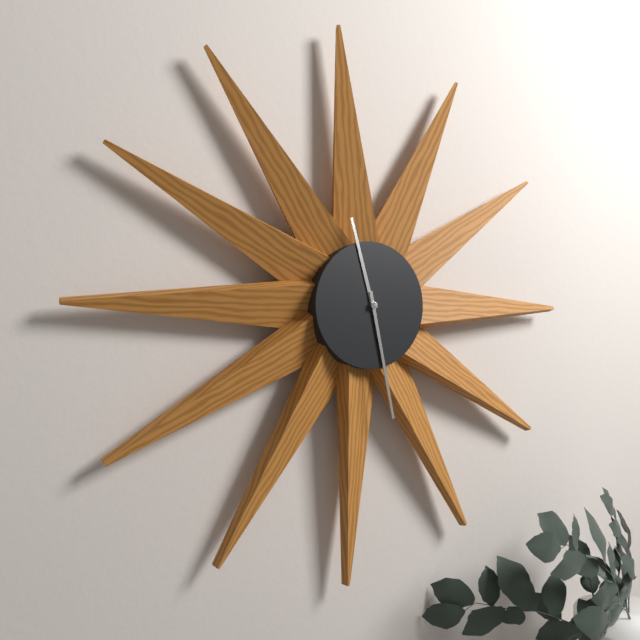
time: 11:28
